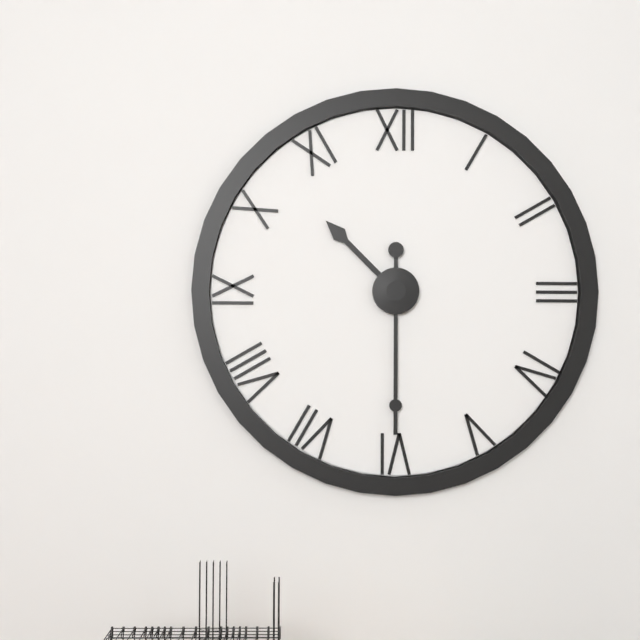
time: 10:30
